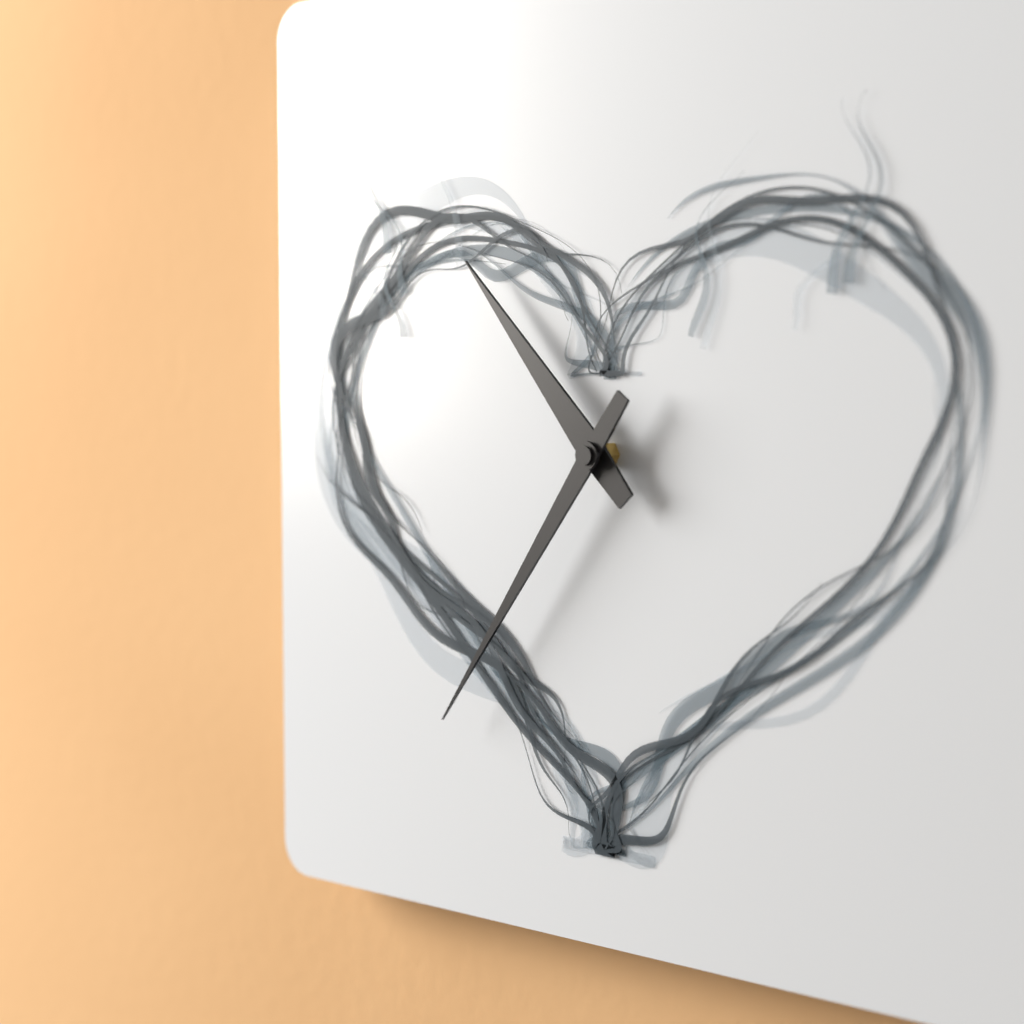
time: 10:36
